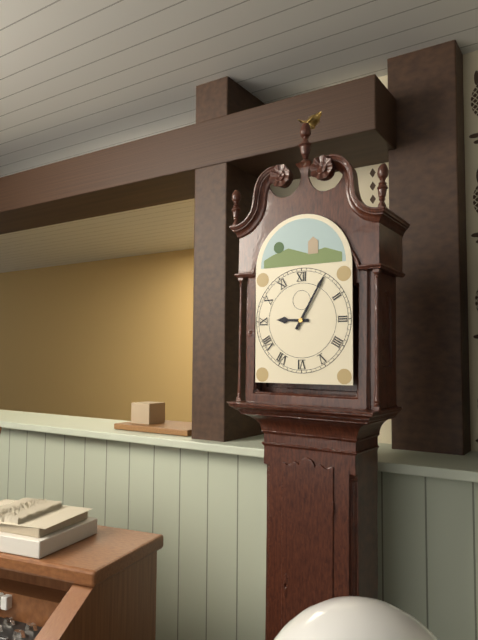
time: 9:05
